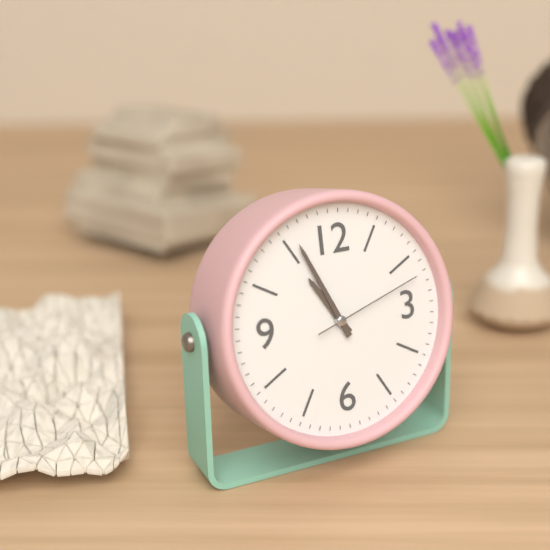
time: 10:56:12
